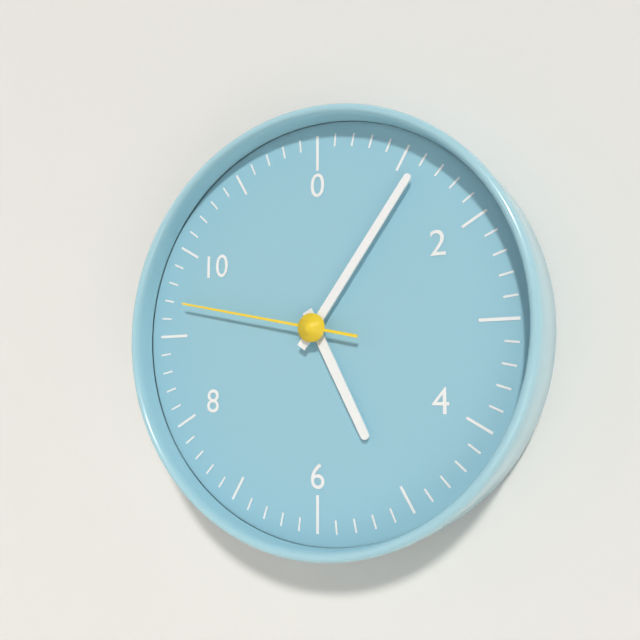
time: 5:06:47
